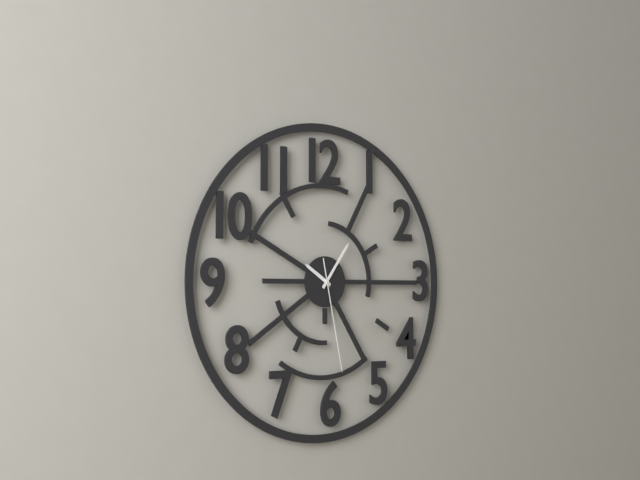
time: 10:06:28
